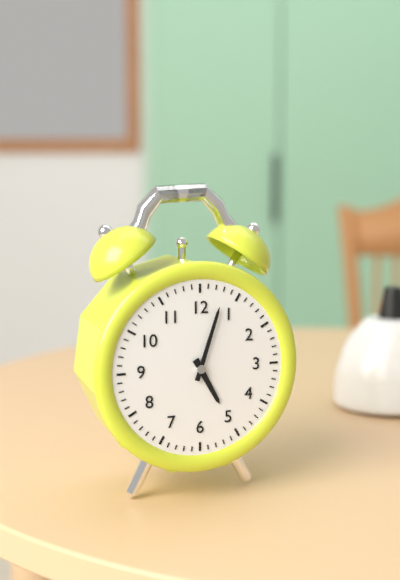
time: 5:03
